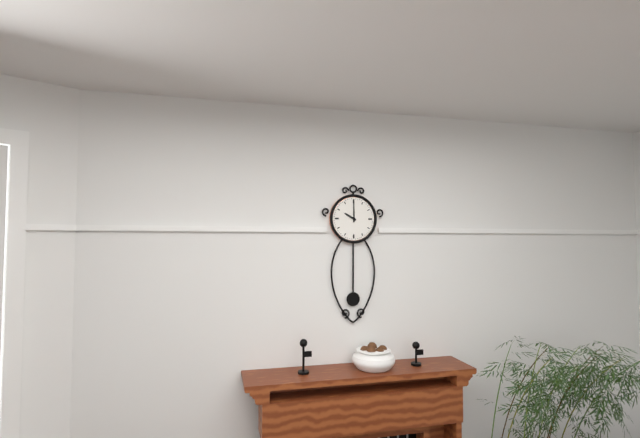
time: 10:00
